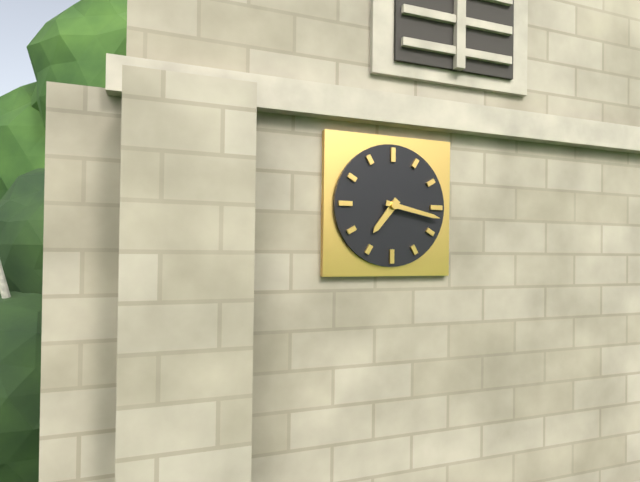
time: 7:17
